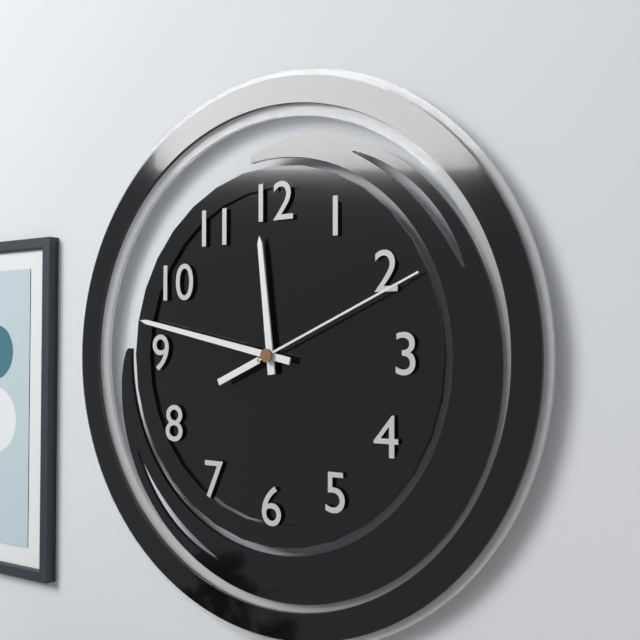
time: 11:47:11
